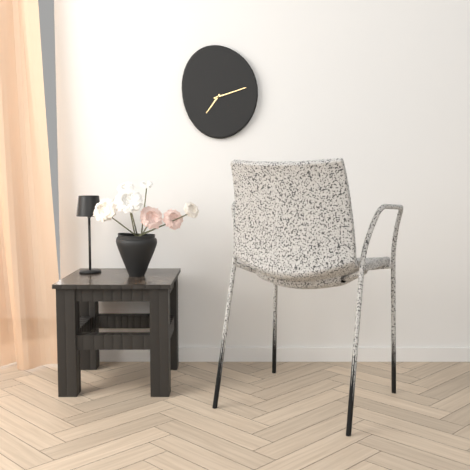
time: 7:12
